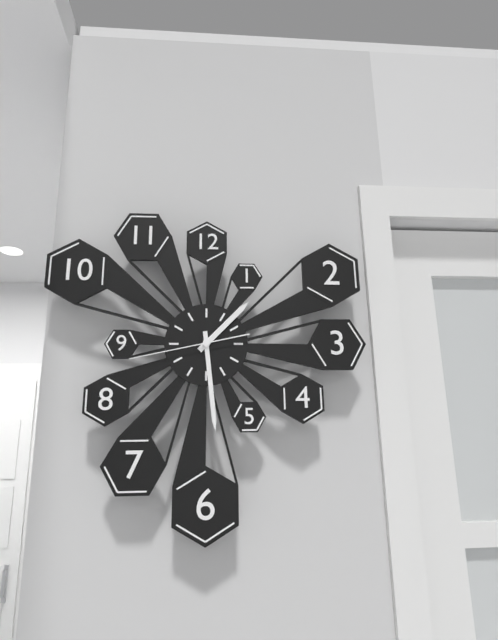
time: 1:29:43
